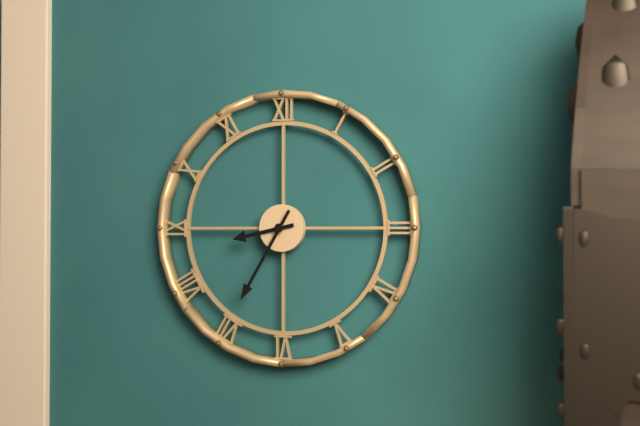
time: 8:35
